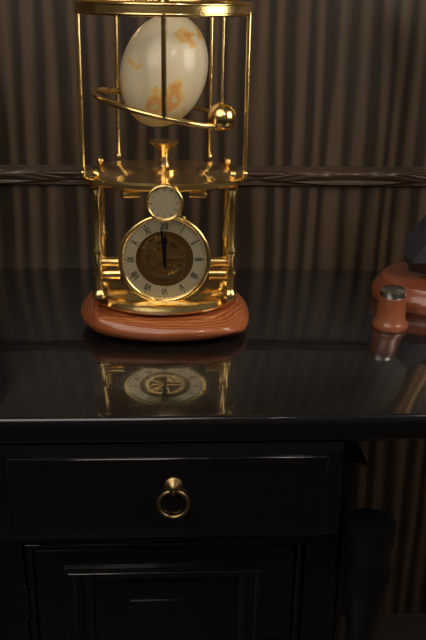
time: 11:59
